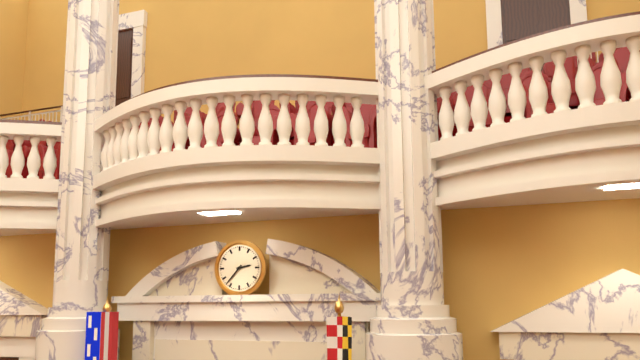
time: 2:37
